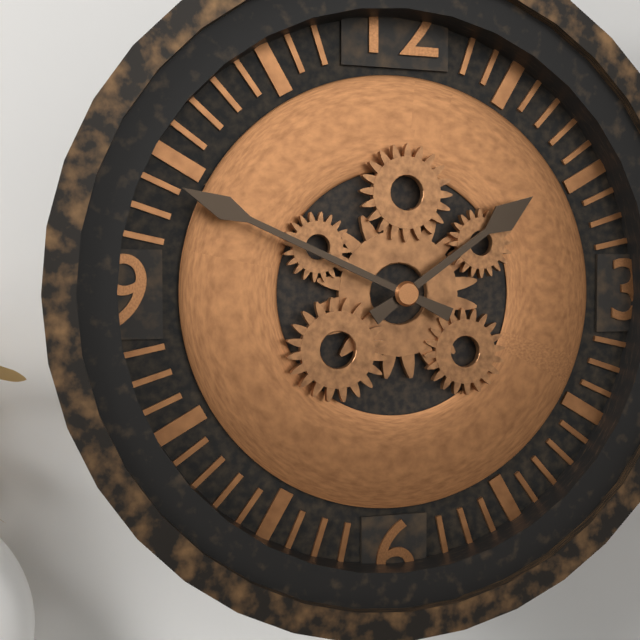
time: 1:49
